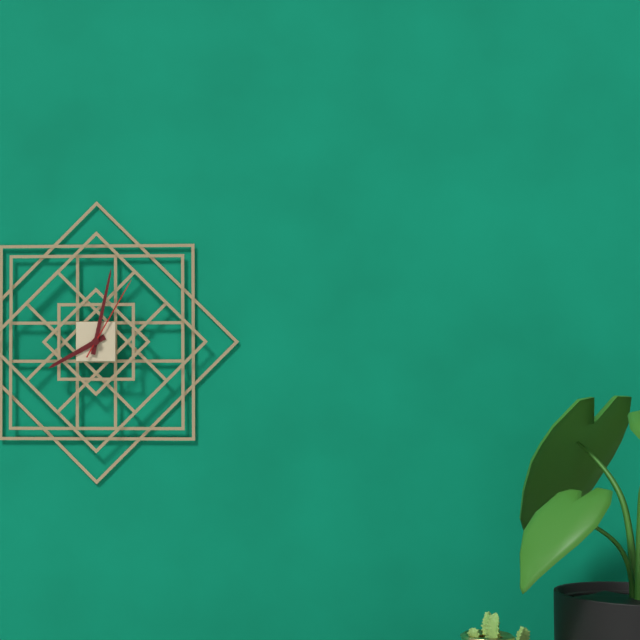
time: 8:02:05
